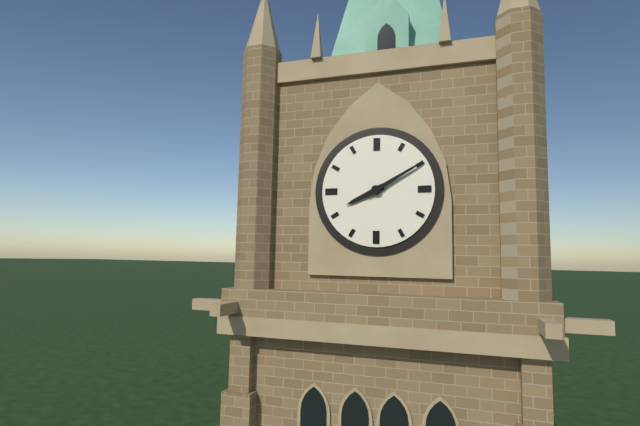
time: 8:10
